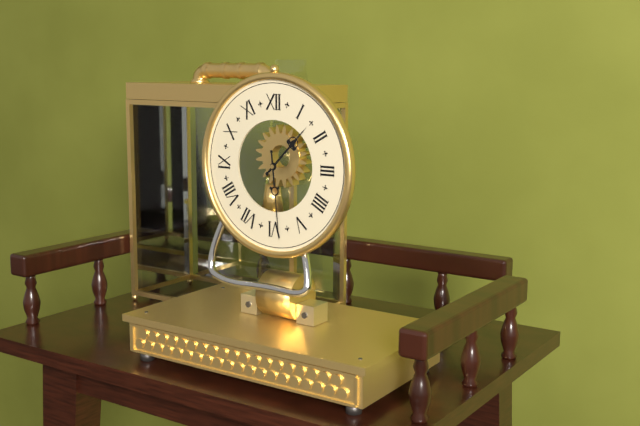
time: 1:29
